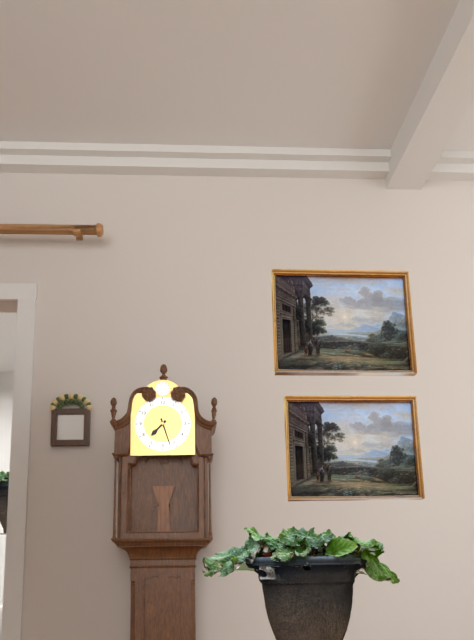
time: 7:27
